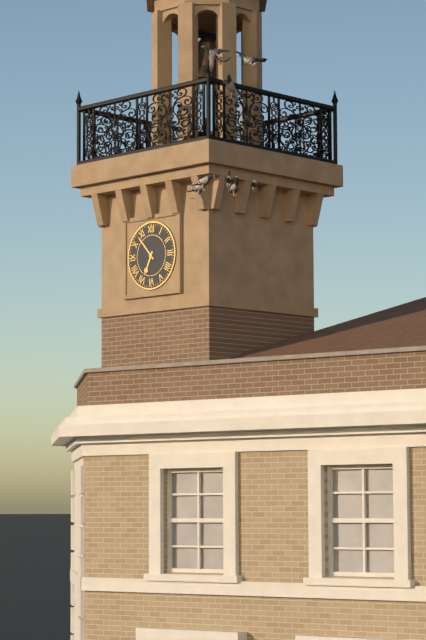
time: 6:53
